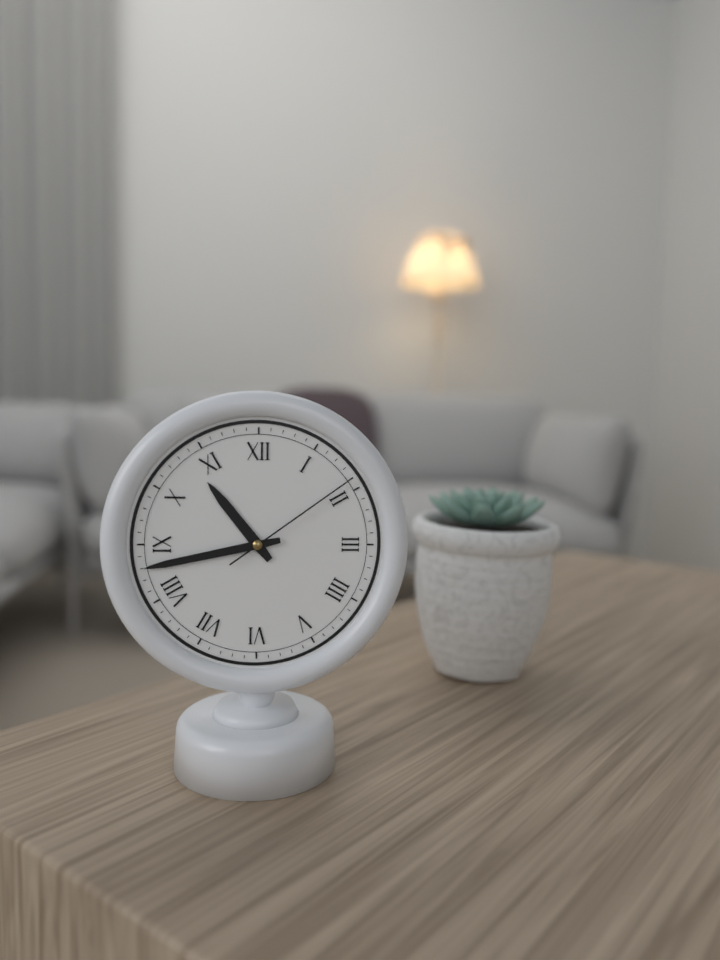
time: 10:43:09
